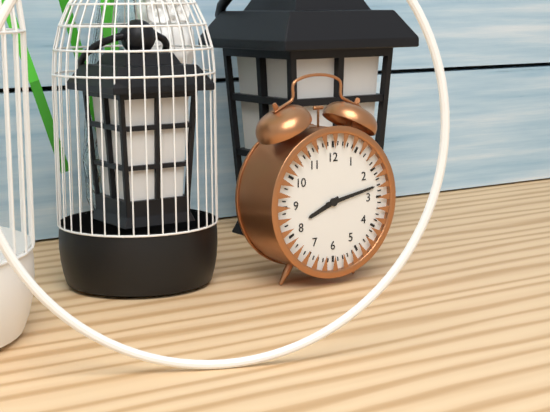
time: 8:13
